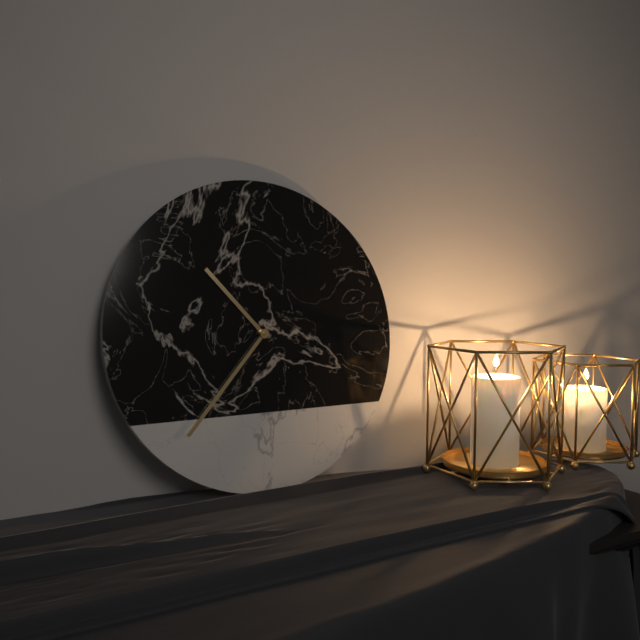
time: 10:37
